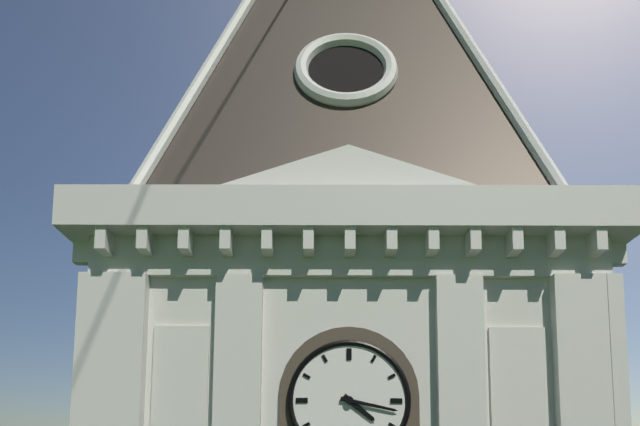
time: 4:17
